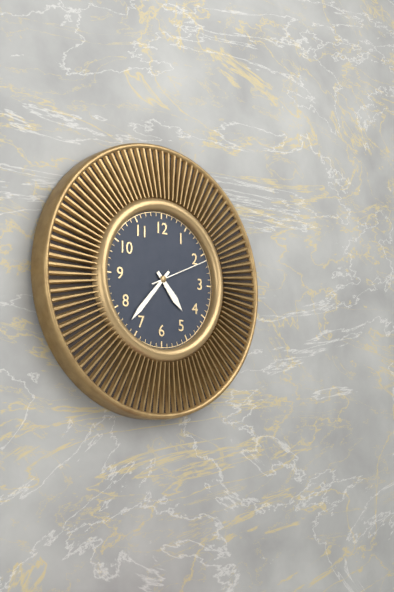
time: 4:37:11
